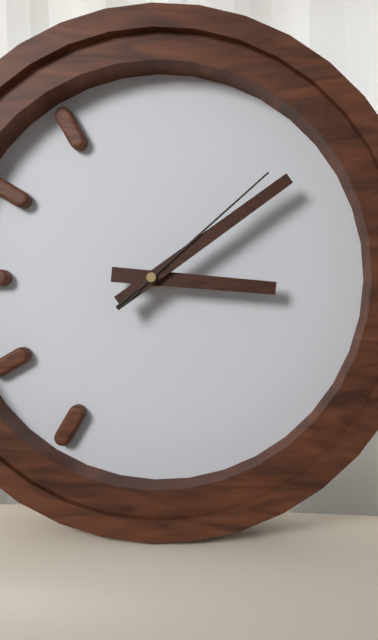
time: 3:09:08
